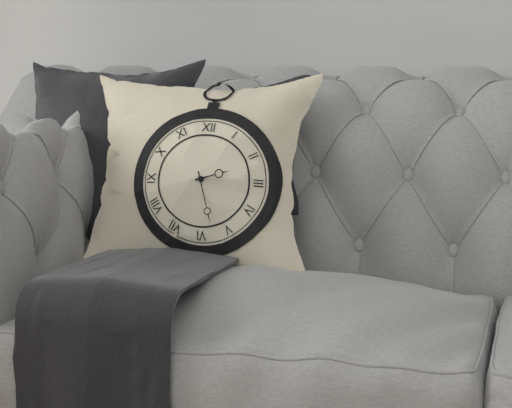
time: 2:27
